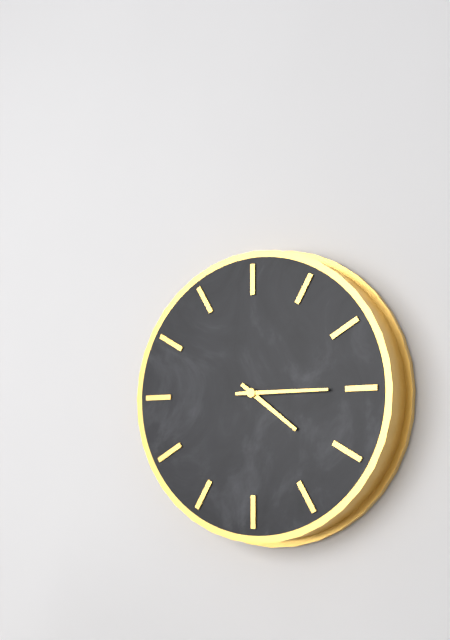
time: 4:15
